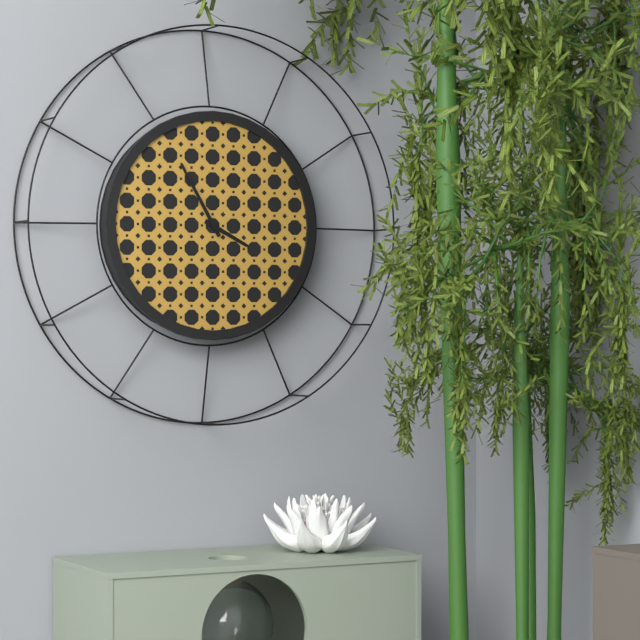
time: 3:55
